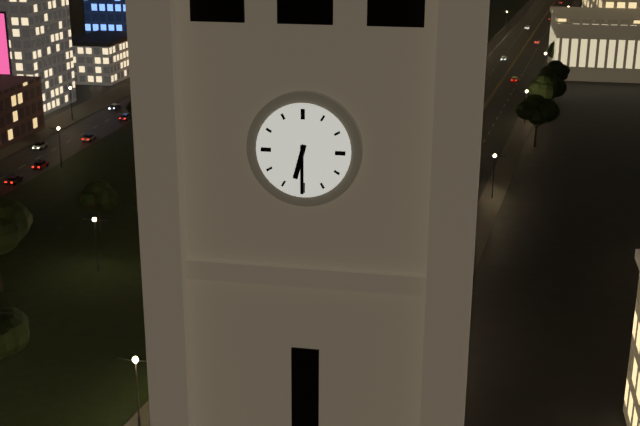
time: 6:30
